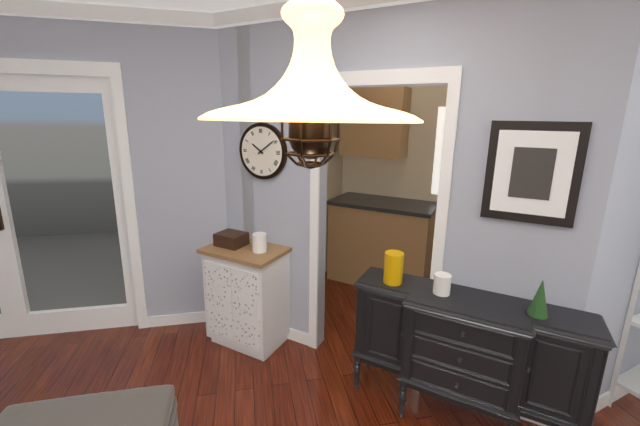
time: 10:09
